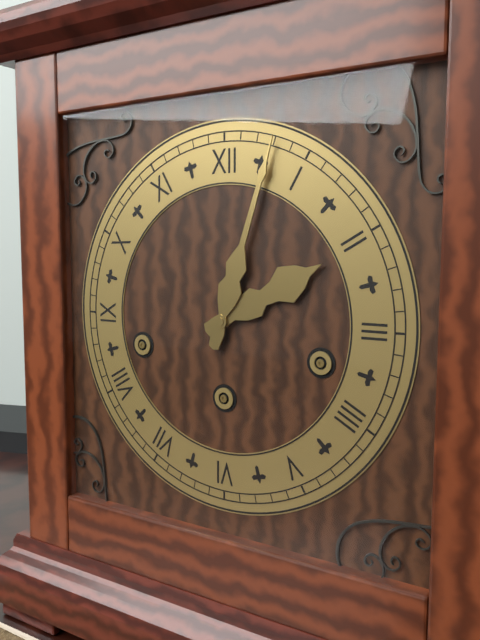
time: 2:03
